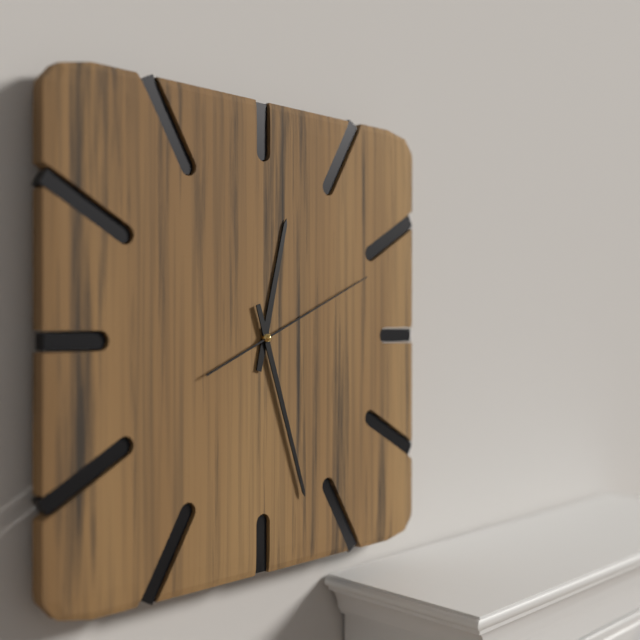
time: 12:27:11
